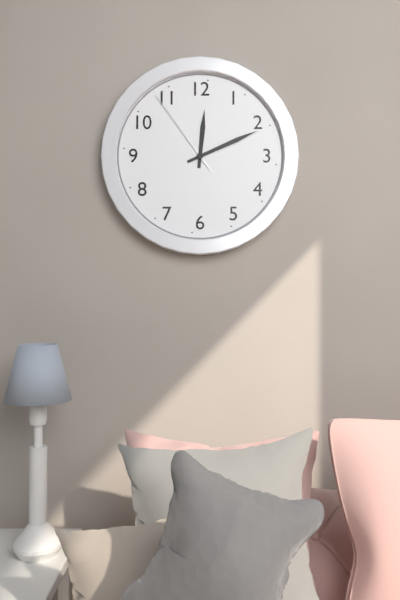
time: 12:11:54
